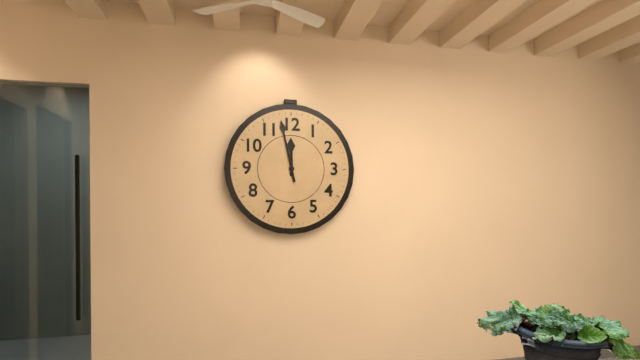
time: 11:58
